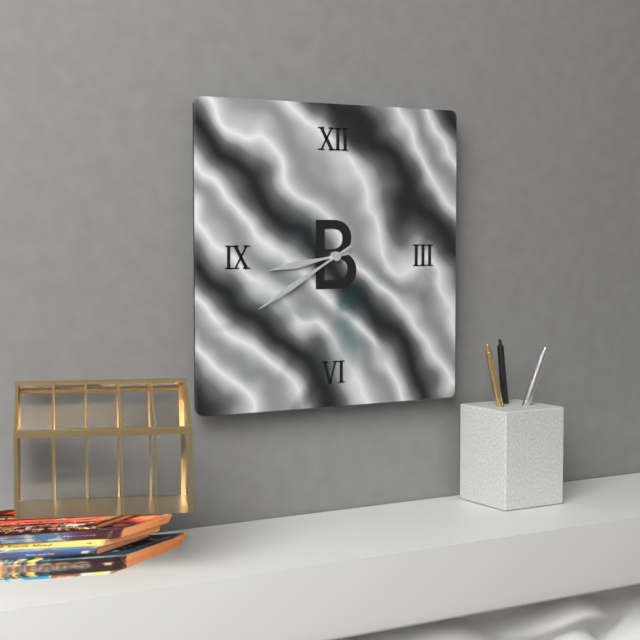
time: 8:40
